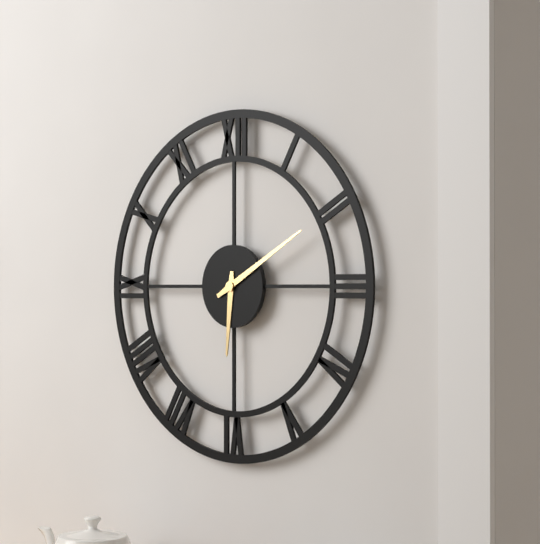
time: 6:10
